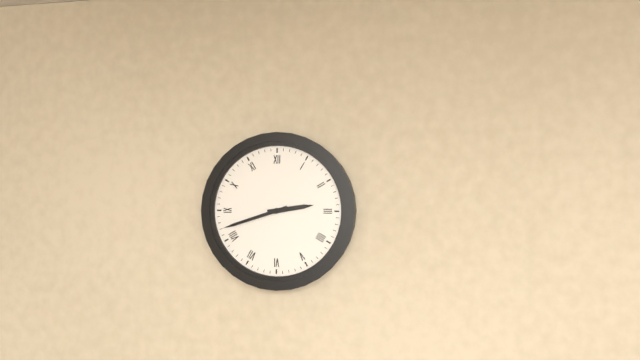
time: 2:42
